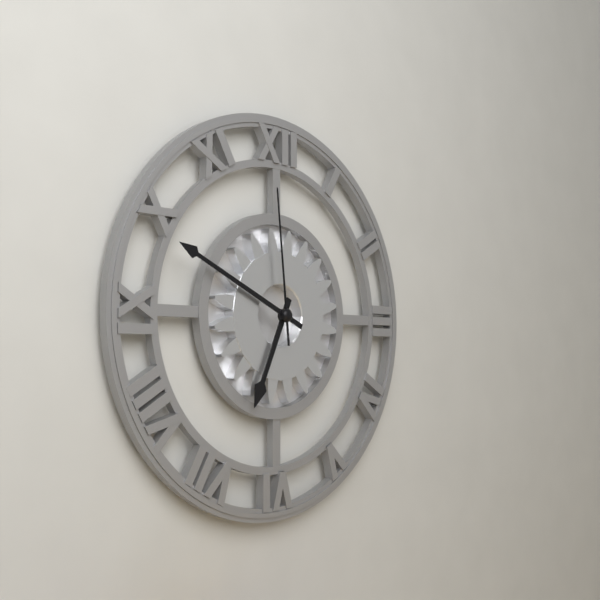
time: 6:49:59
